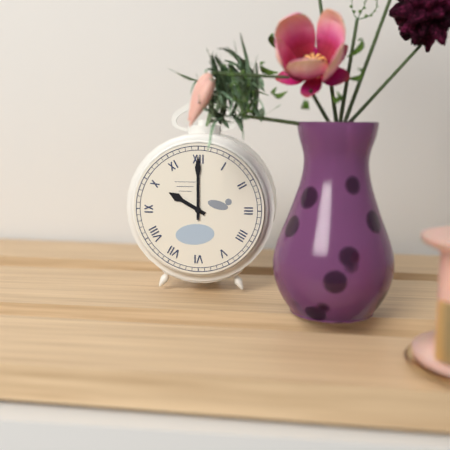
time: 10:00
